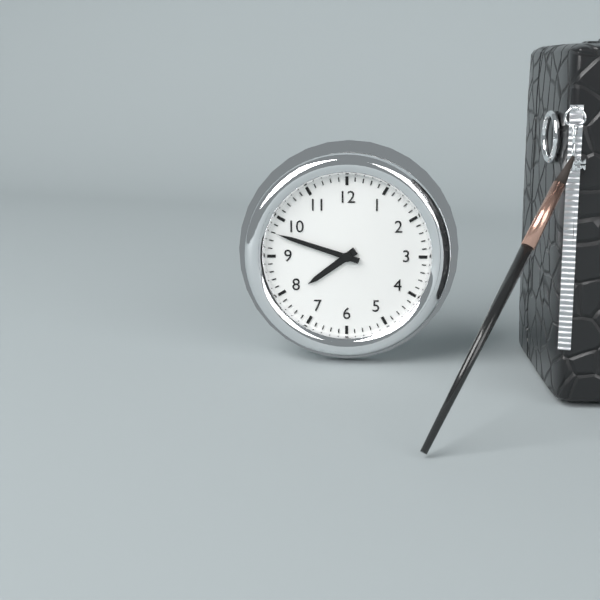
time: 7:48
